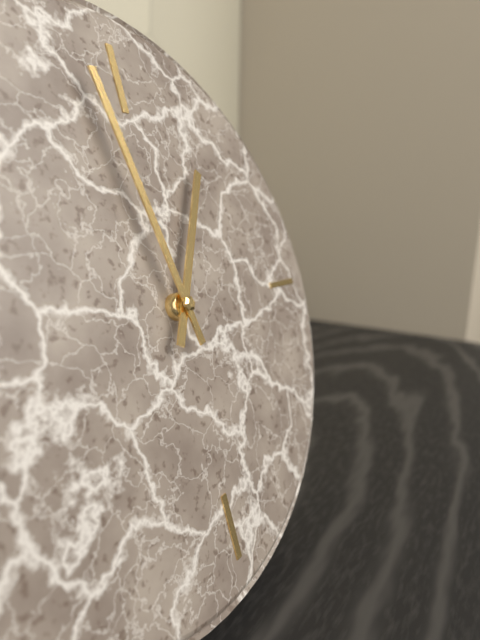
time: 12:58
